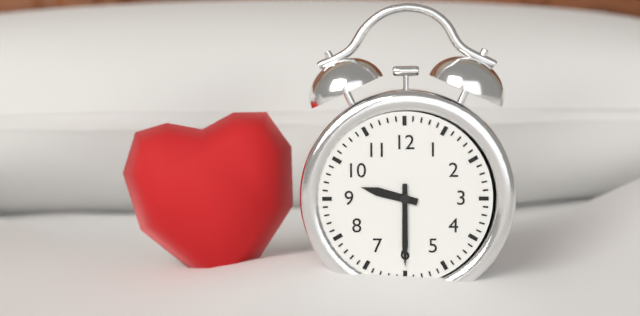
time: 9:30
